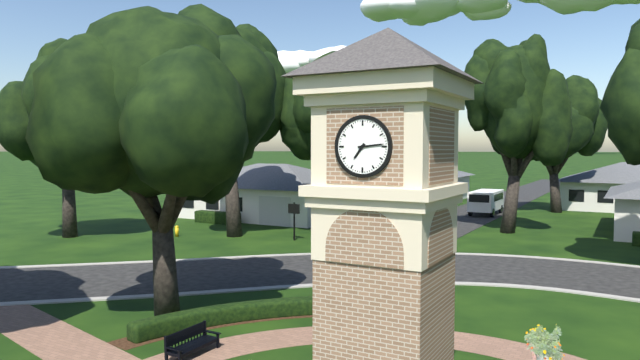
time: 7:14
